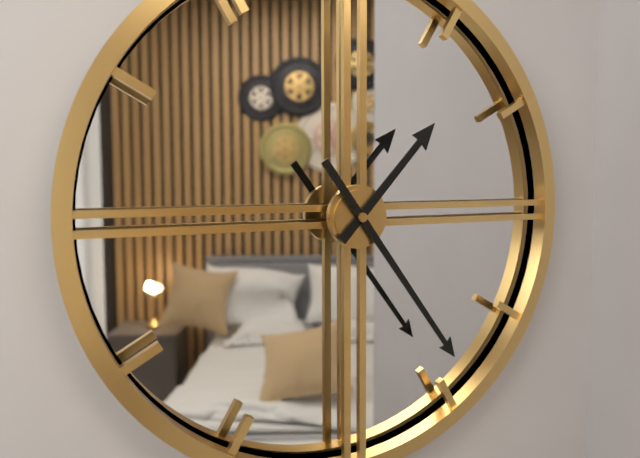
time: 1:24
